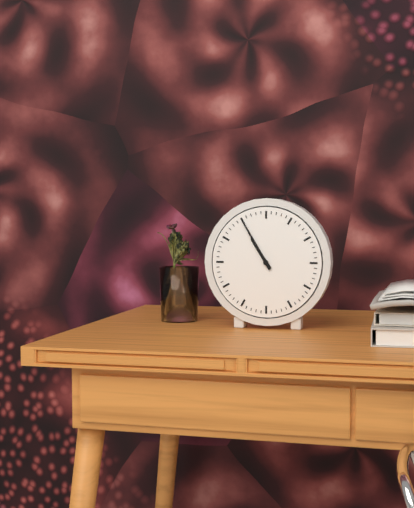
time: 10:55
